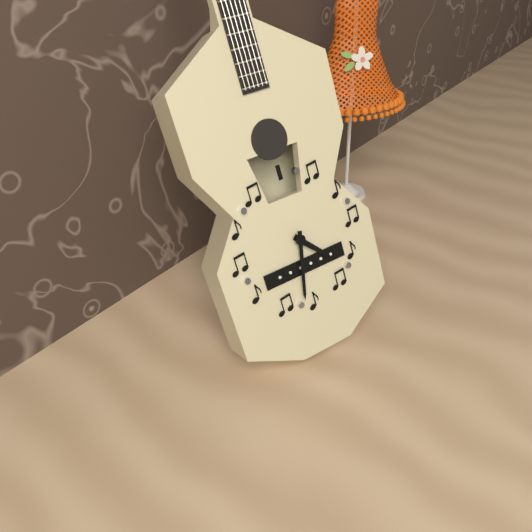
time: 4:32
